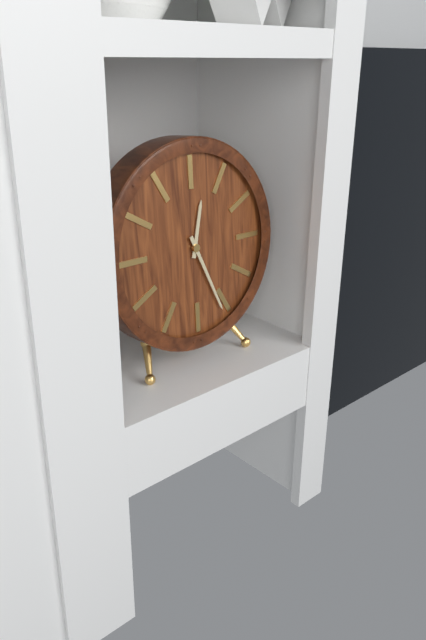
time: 12:26
